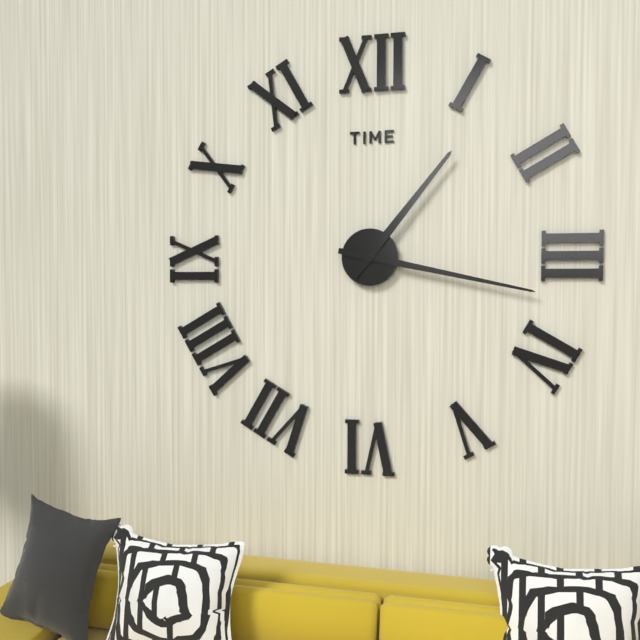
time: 1:17
